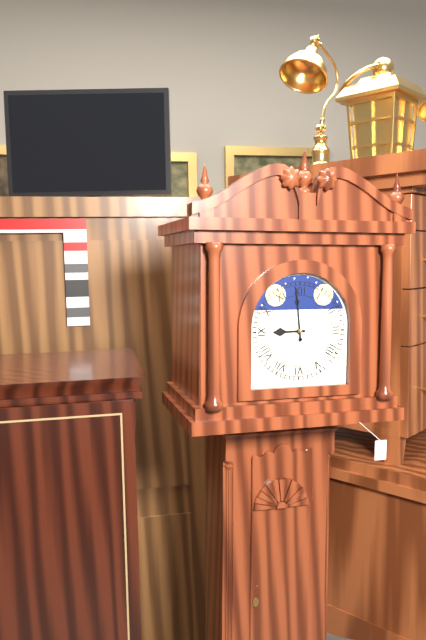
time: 8:59
